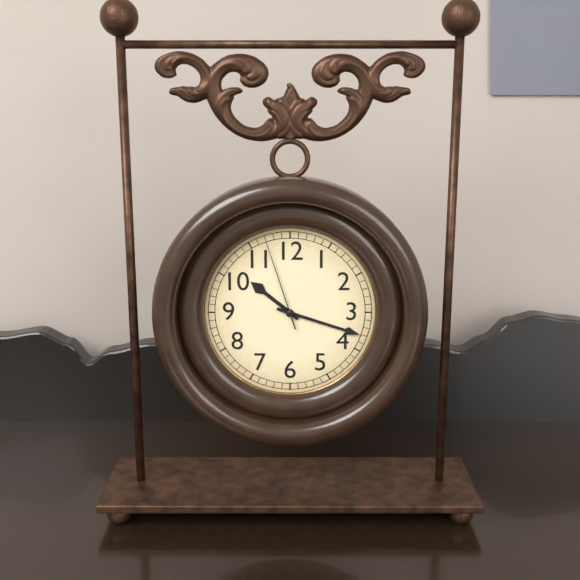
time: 10:18:57
